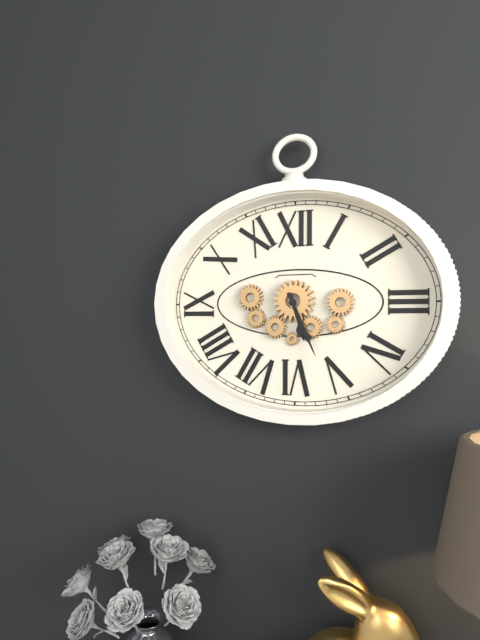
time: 5:26
